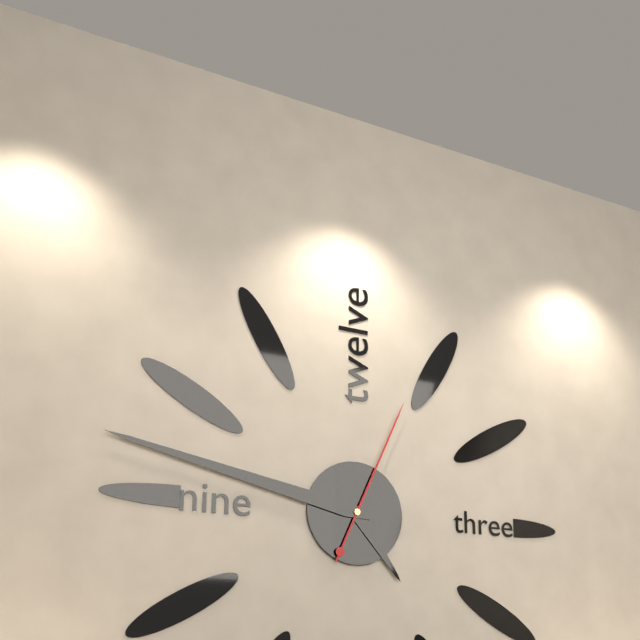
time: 4:47:04
